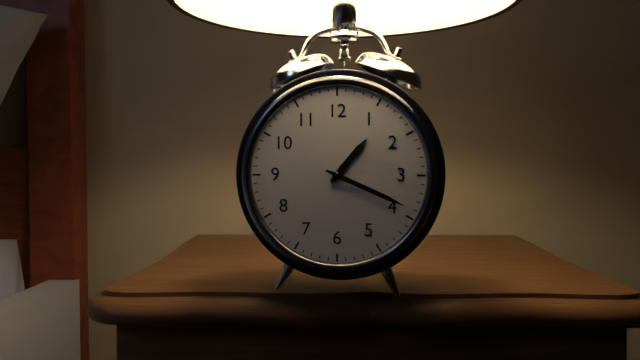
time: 1:19
